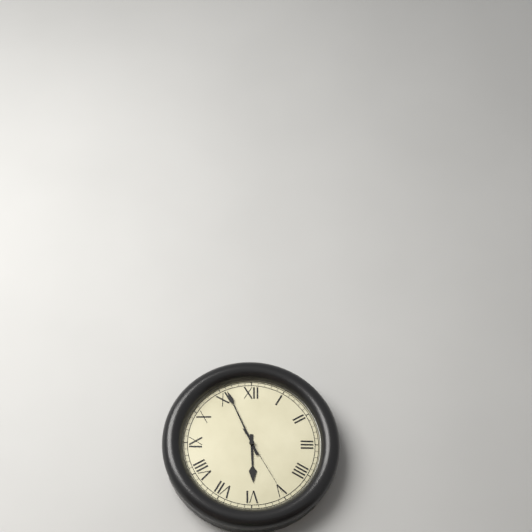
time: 5:56:25
